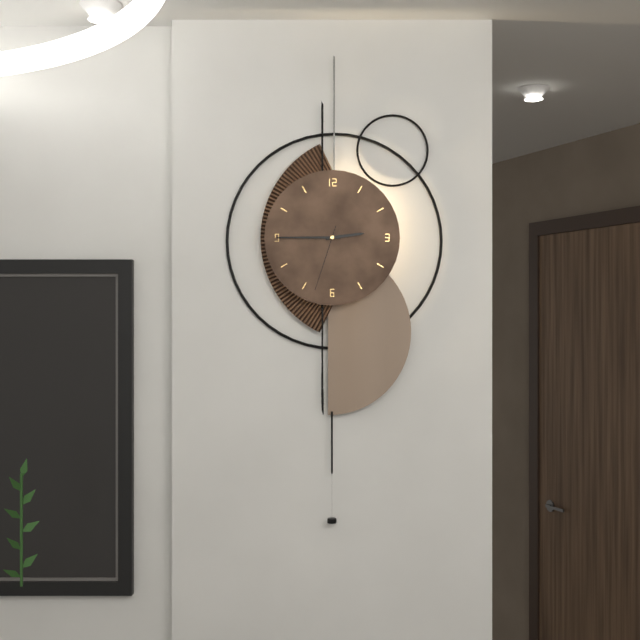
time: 2:45:33
